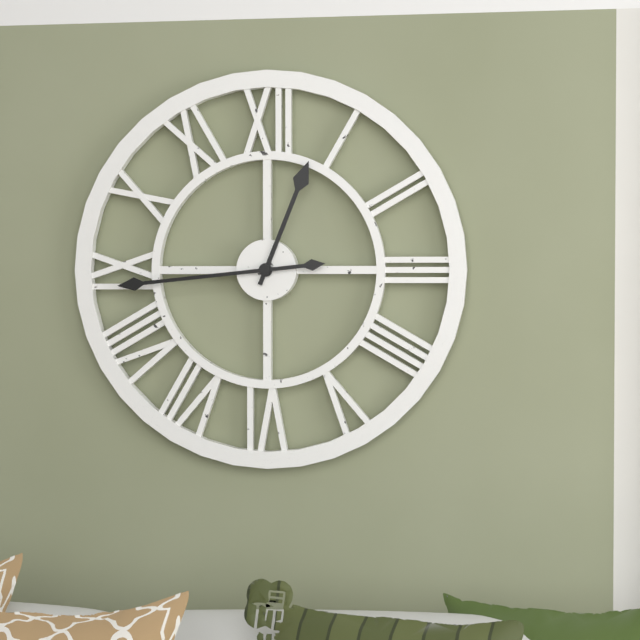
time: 12:44
